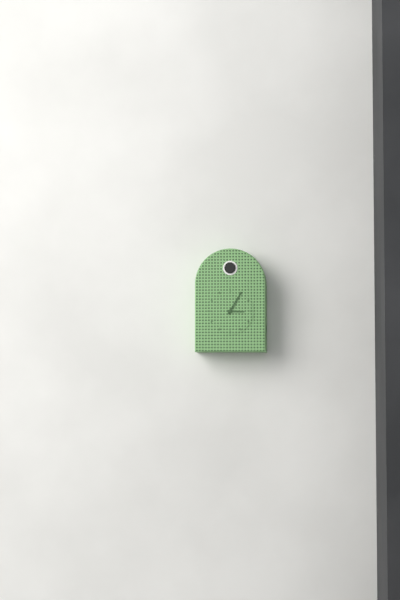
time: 3:05
